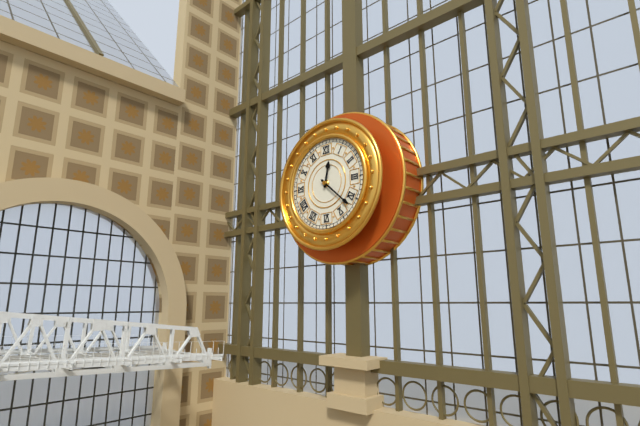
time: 12:22
